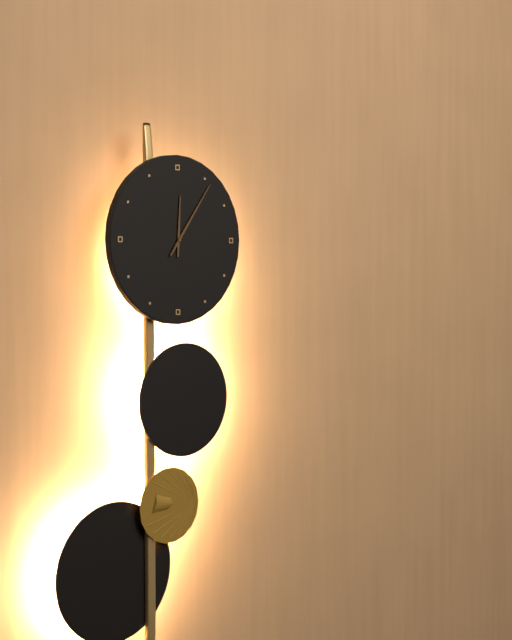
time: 12:06
